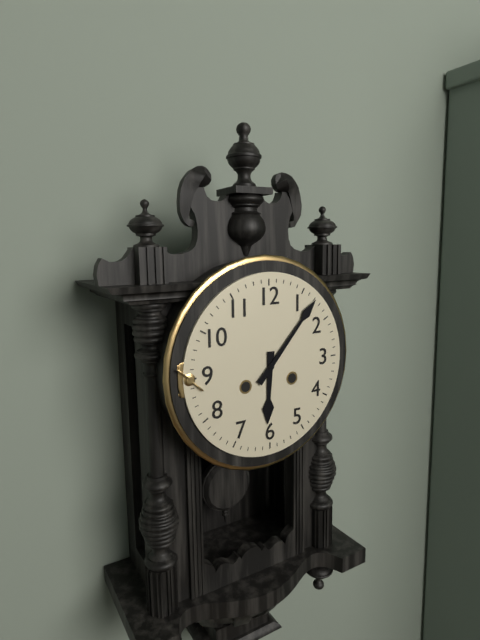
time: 6:07
